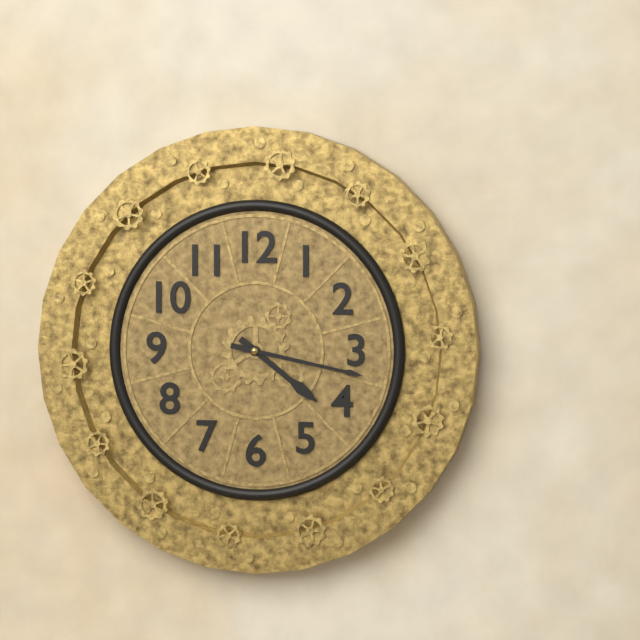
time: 4:17
